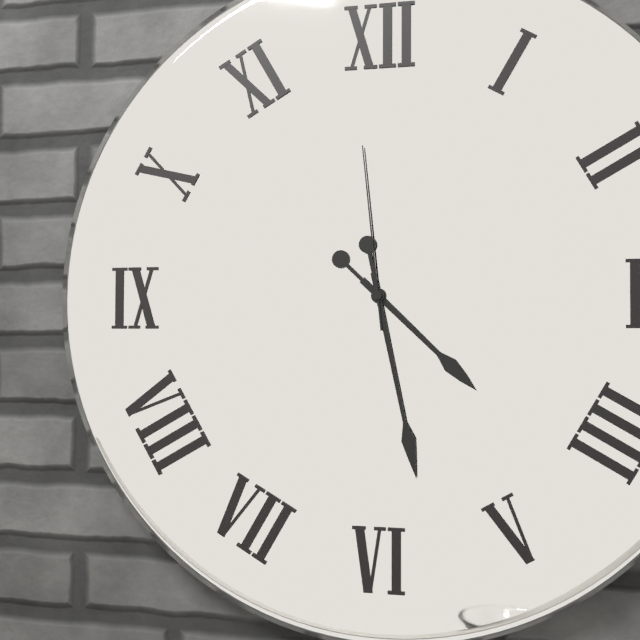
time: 4:28:59
